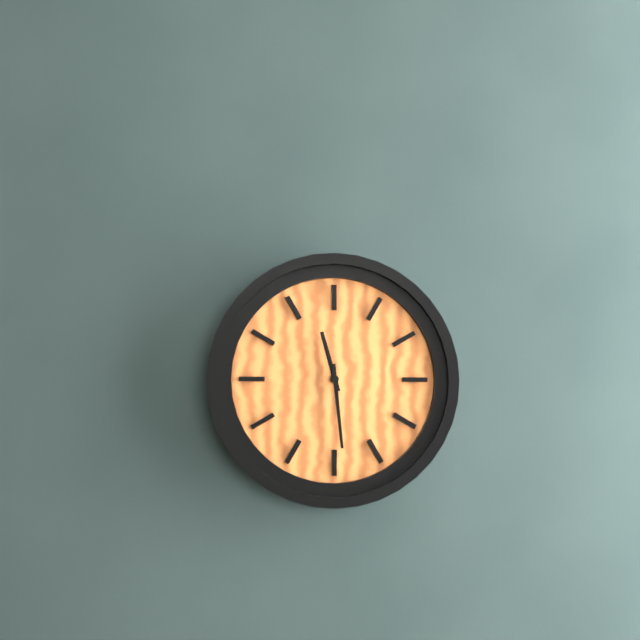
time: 11:29
